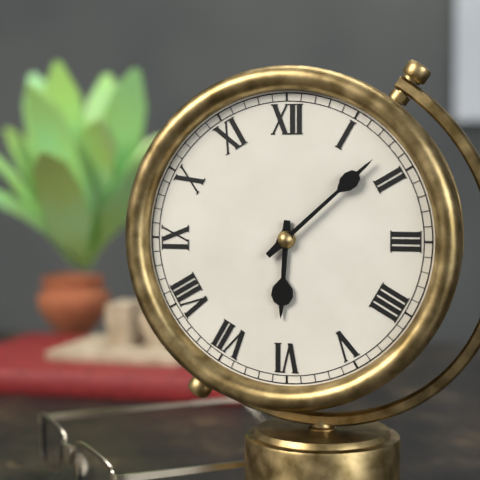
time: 6:08
